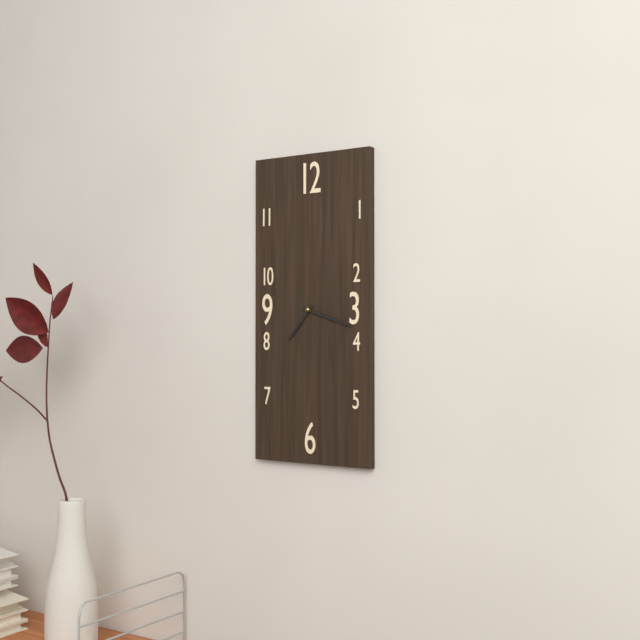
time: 7:18
